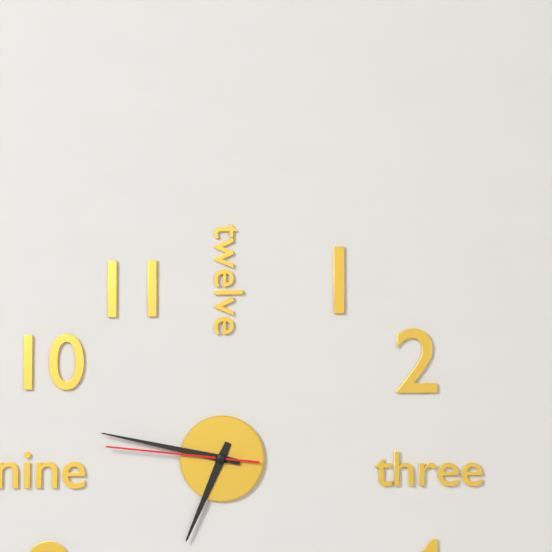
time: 6:47:46
